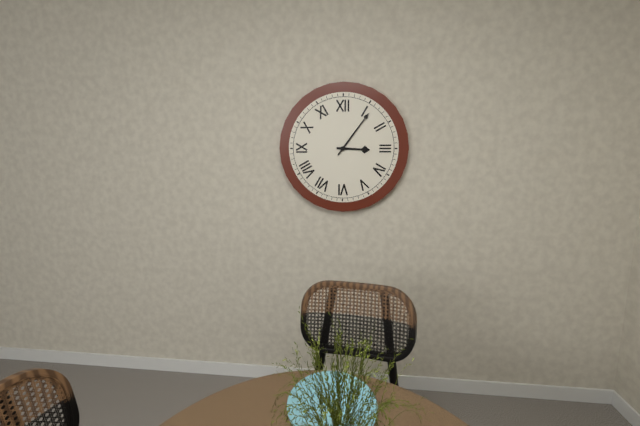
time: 3:06
